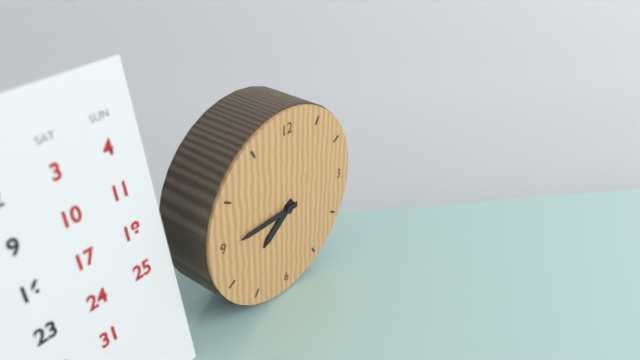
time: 7:45
